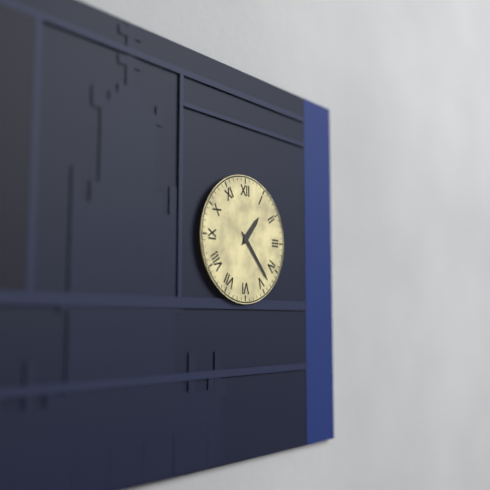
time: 1:23
